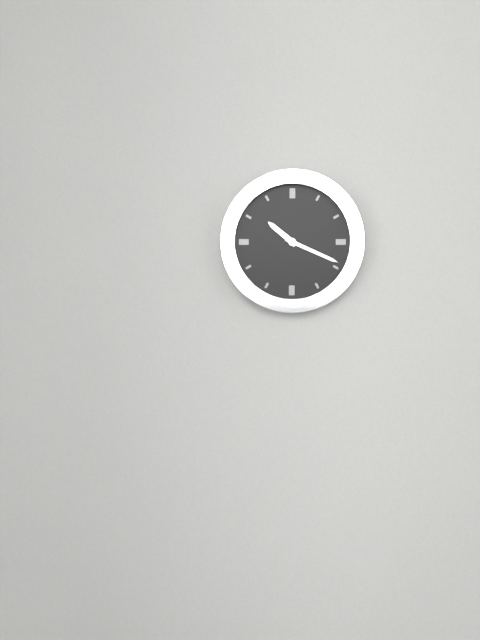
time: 10:19
